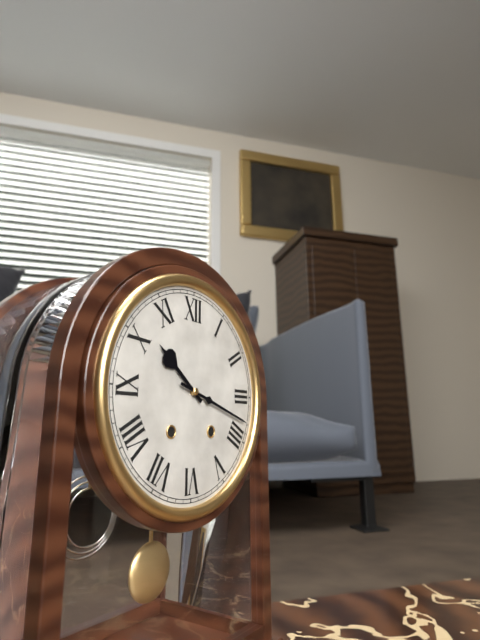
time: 10:18
